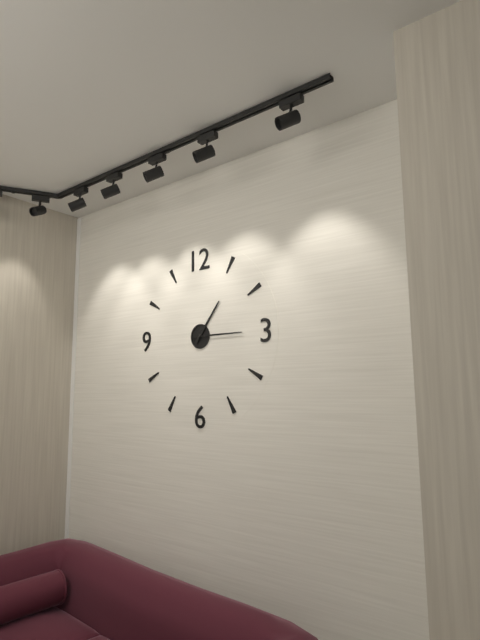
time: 1:15
